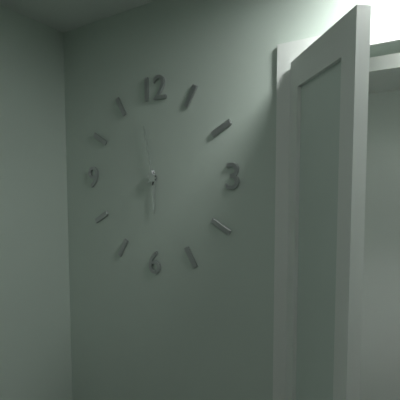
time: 5:58
